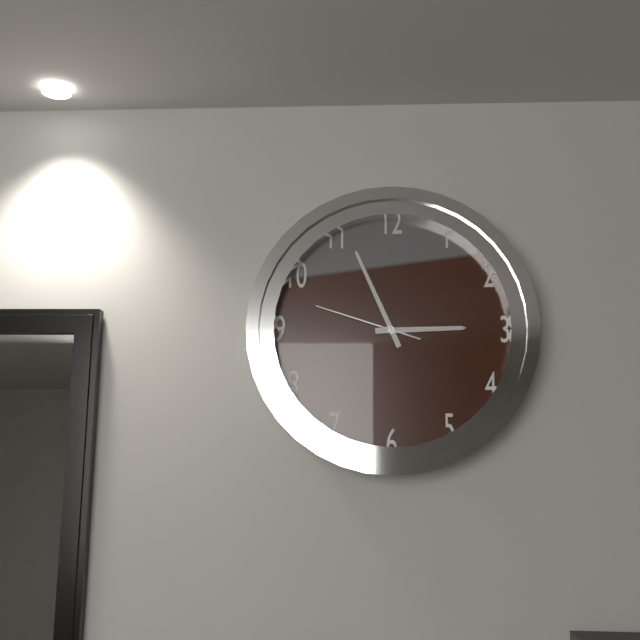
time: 2:56:48
